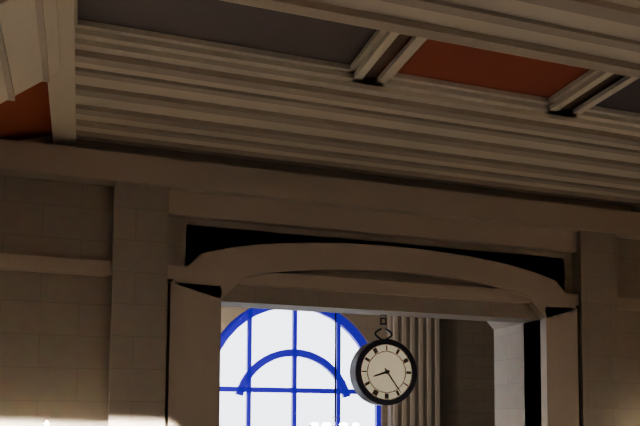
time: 8:24
